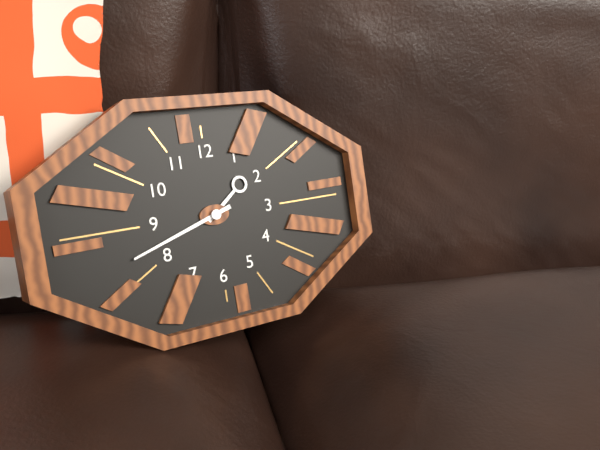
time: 1:42
